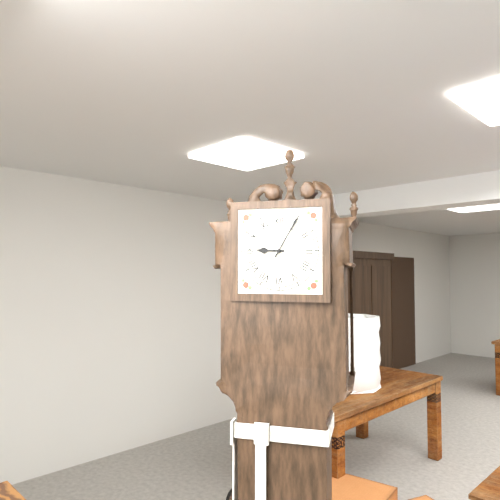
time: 9:05
